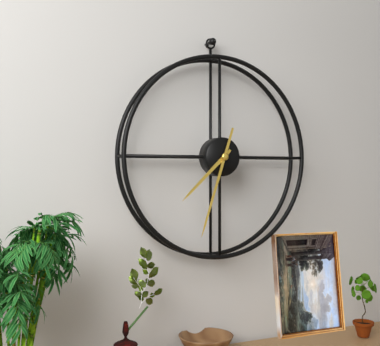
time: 7:33
